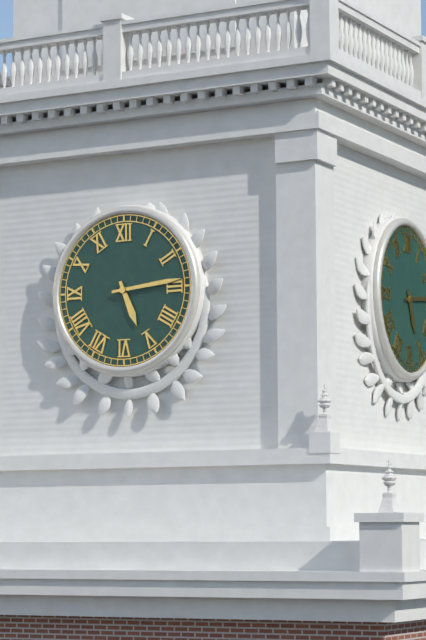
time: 5:14
